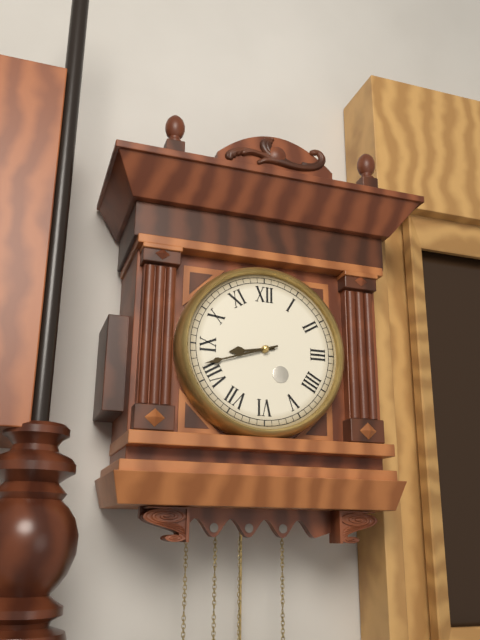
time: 8:42
